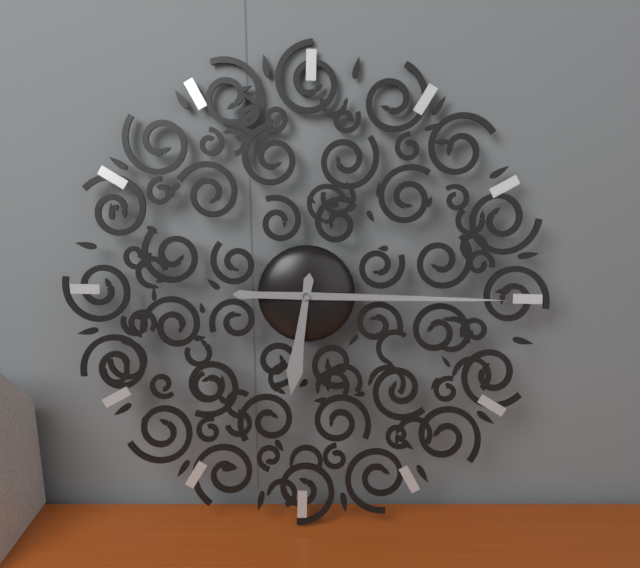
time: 6:15
